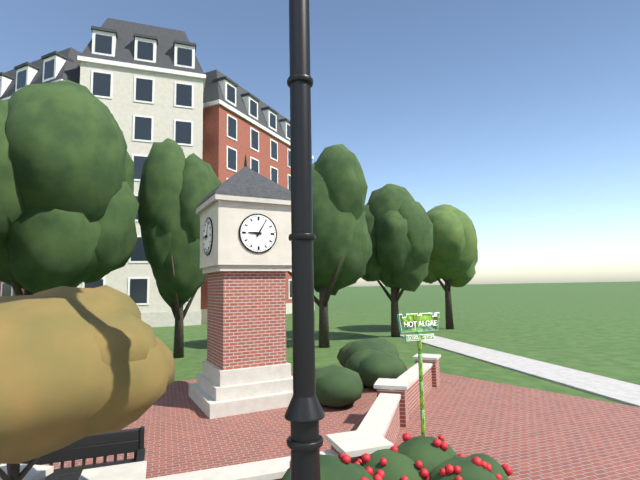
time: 9:05
